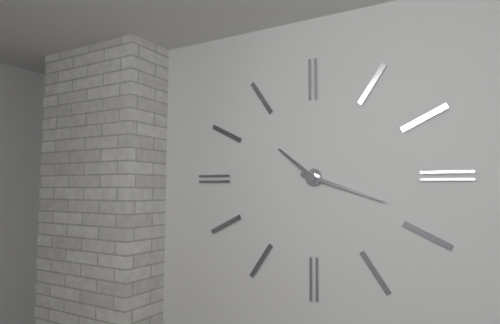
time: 10:18
